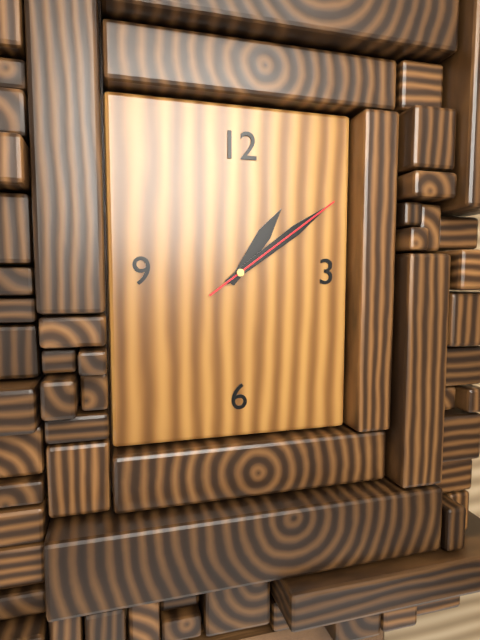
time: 1:09:09
